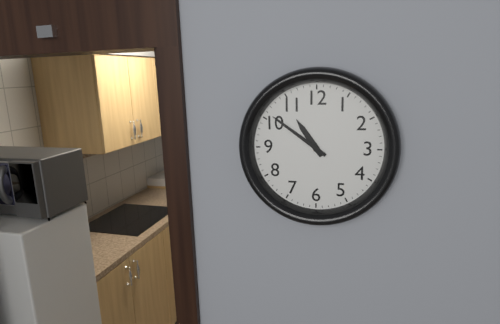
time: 10:51
